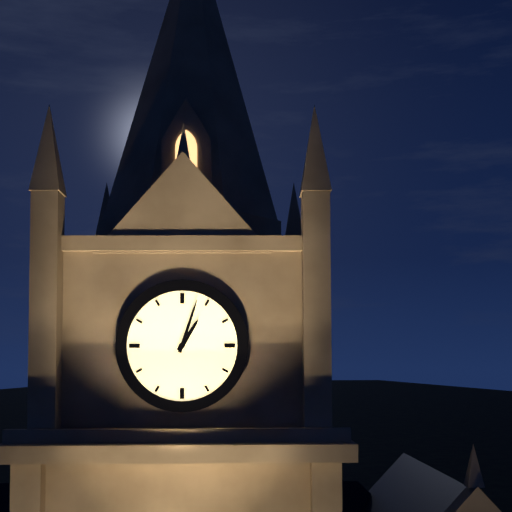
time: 1:03
